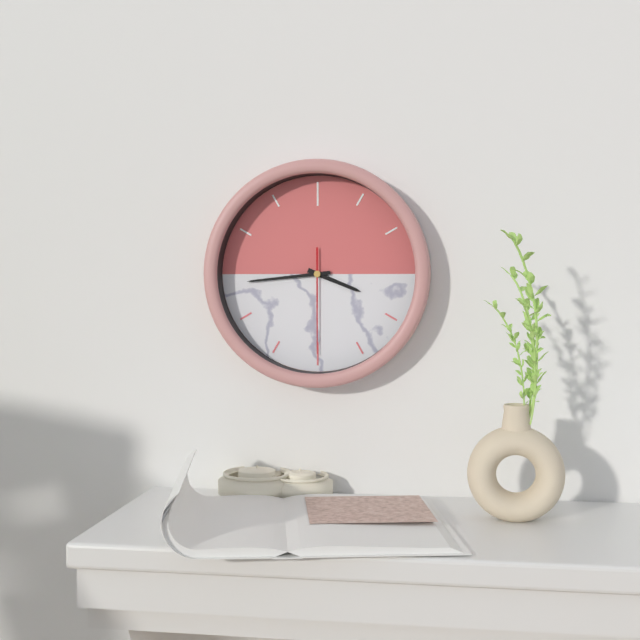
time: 3:44:30
